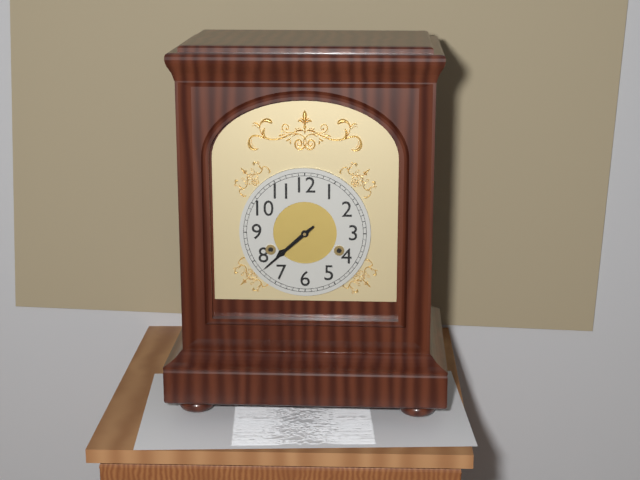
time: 7:38
